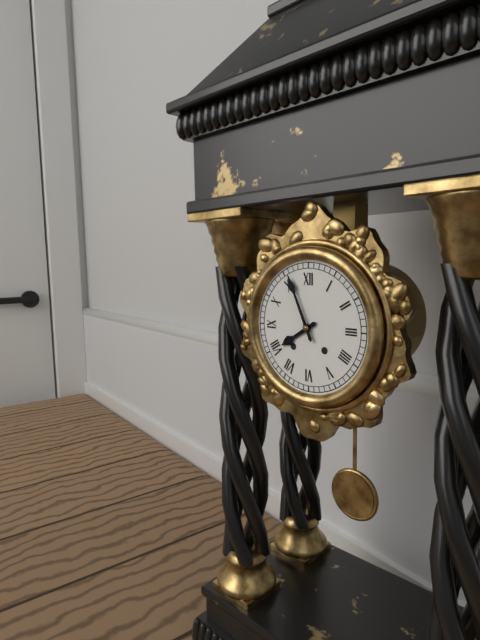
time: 7:56
